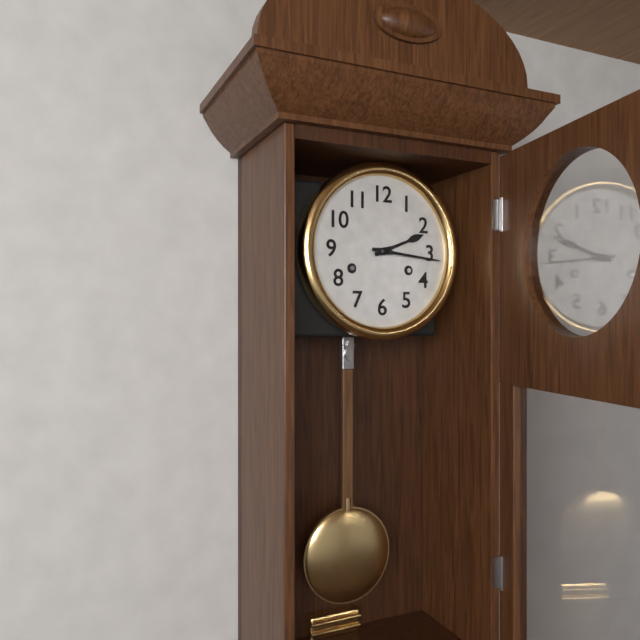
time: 2:16
